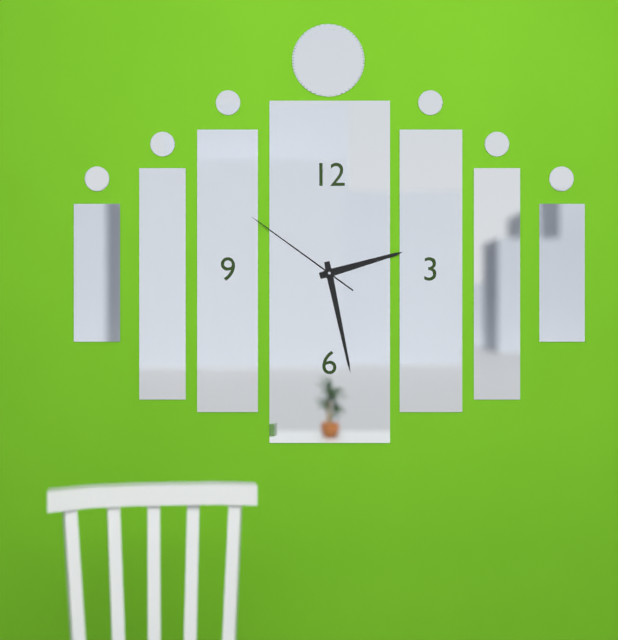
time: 2:28:51
